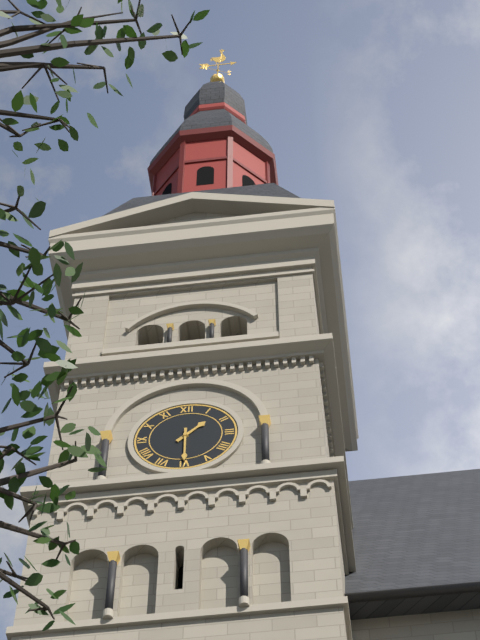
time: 1:30
